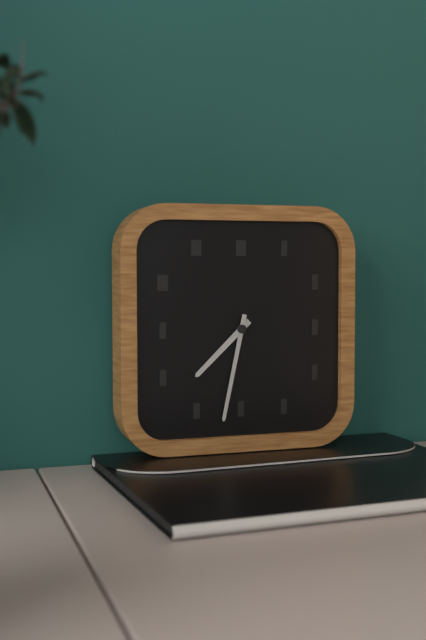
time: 7:32
